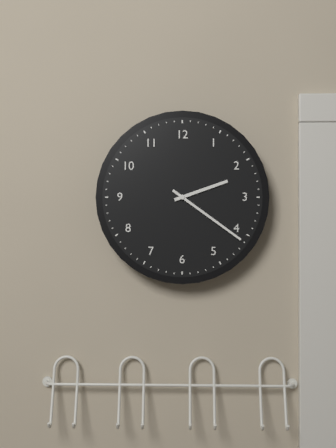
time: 2:21
